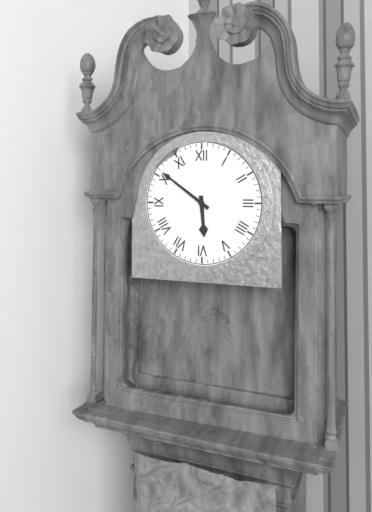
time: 5:51
